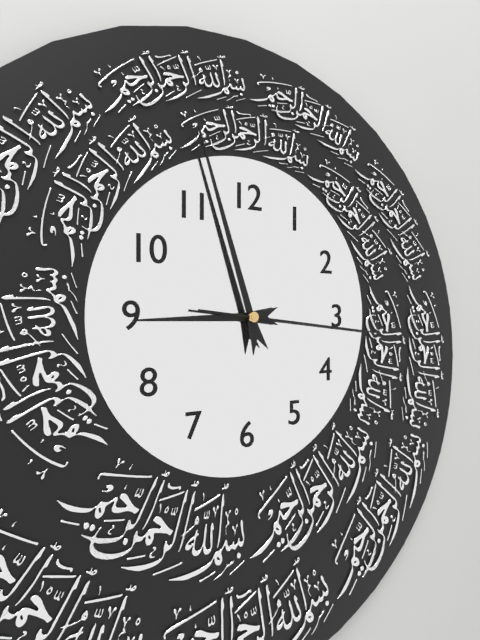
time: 8:57:16
